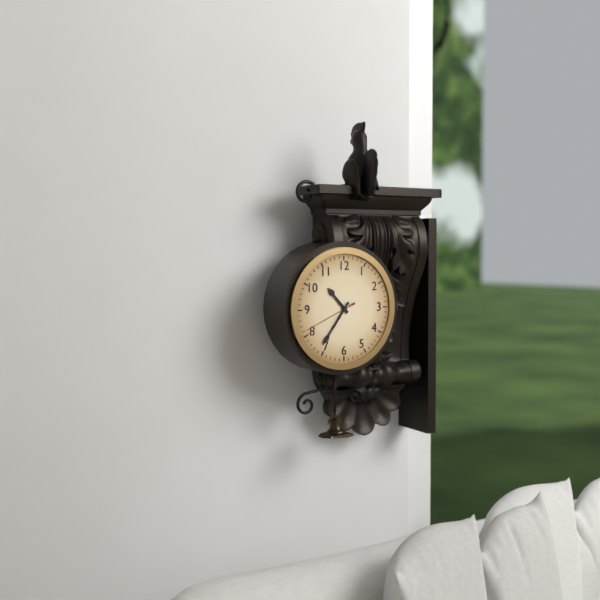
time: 10:36:41
